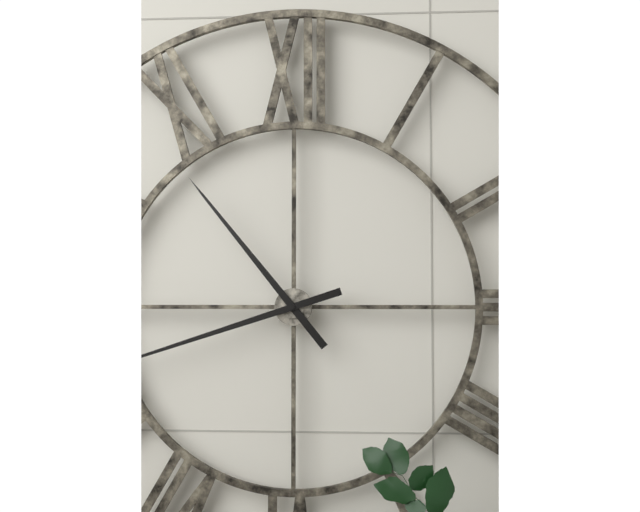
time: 10:42
